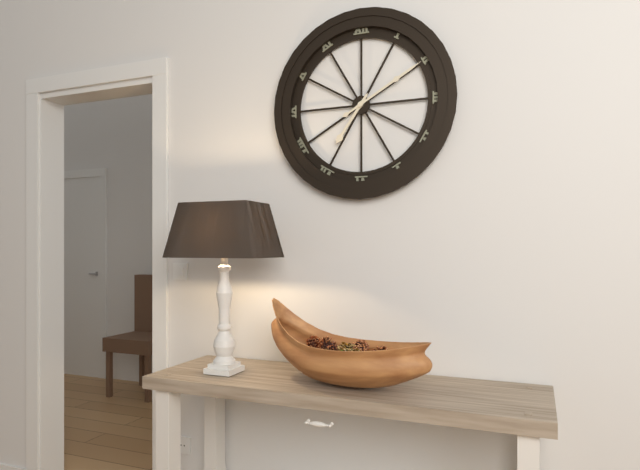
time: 7:10
